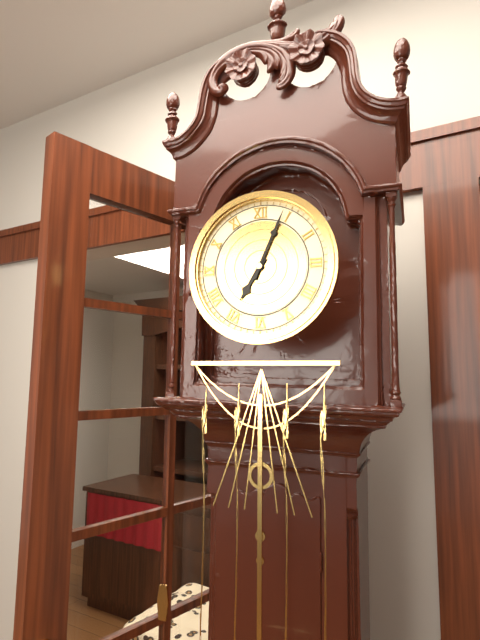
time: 7:04
